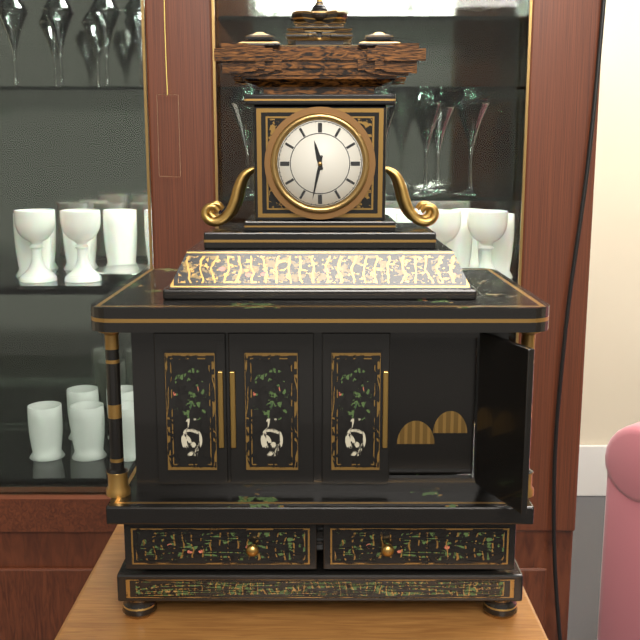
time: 11:32
